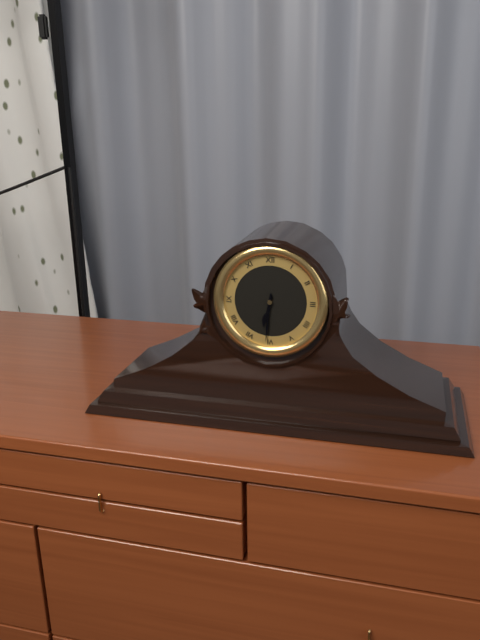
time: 6:31
